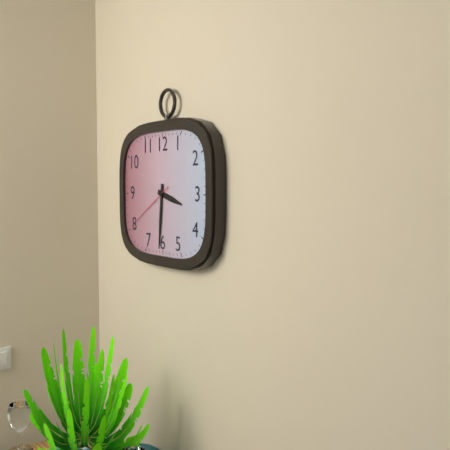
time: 3:31
